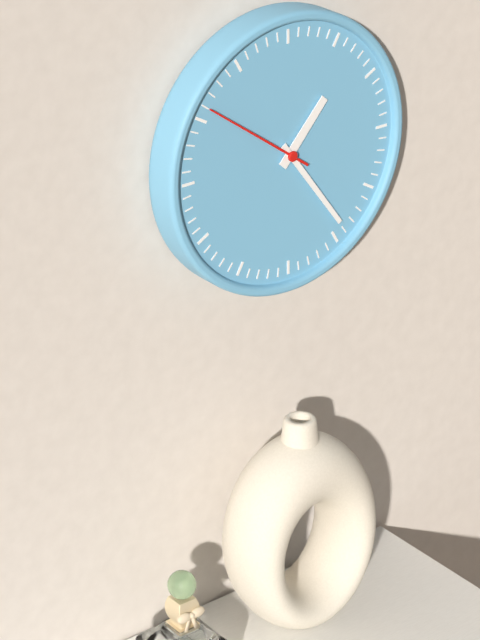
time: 1:24:51
